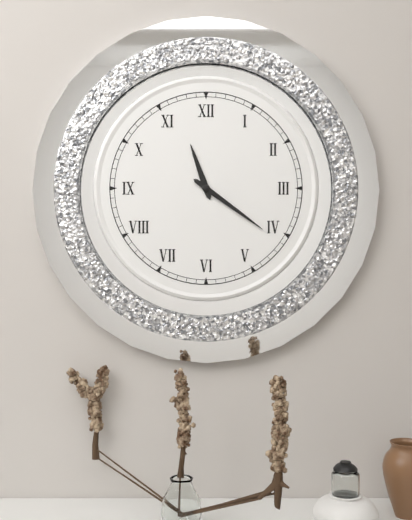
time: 11:21
